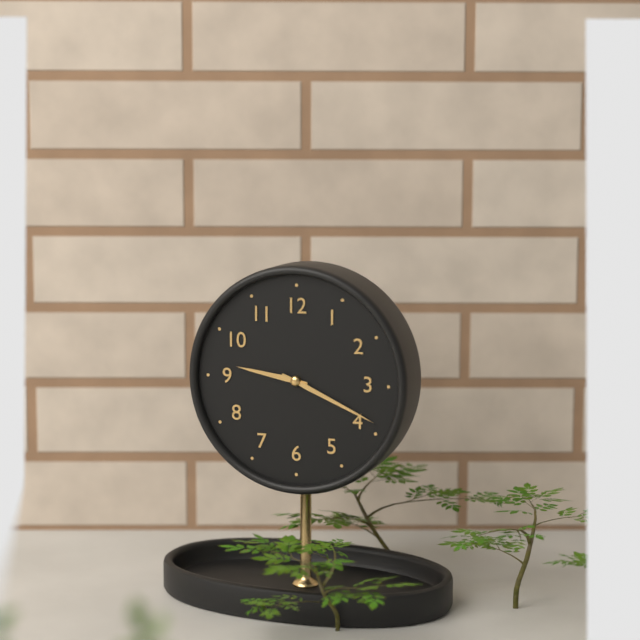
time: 9:19
